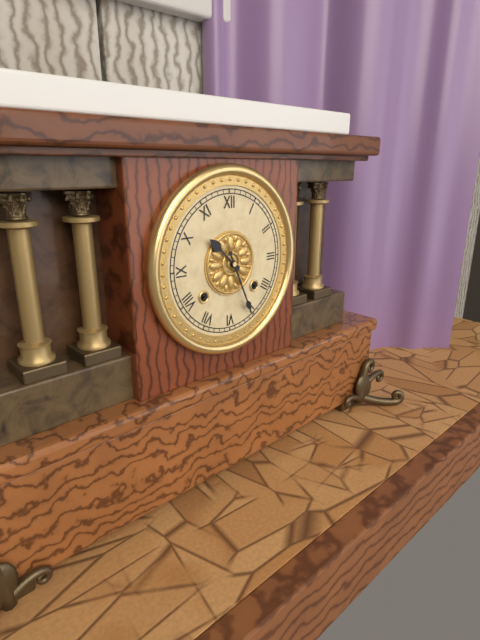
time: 10:26
